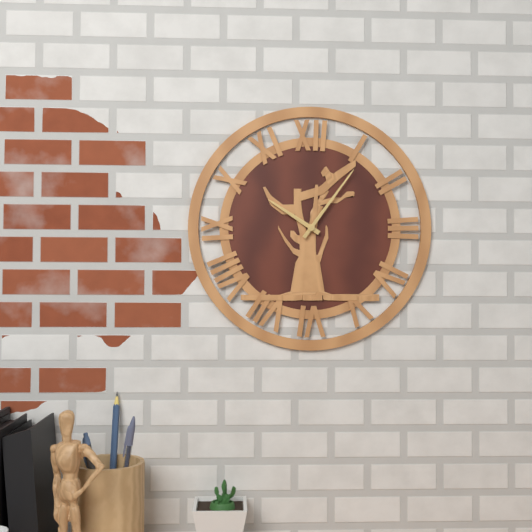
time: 10:06
